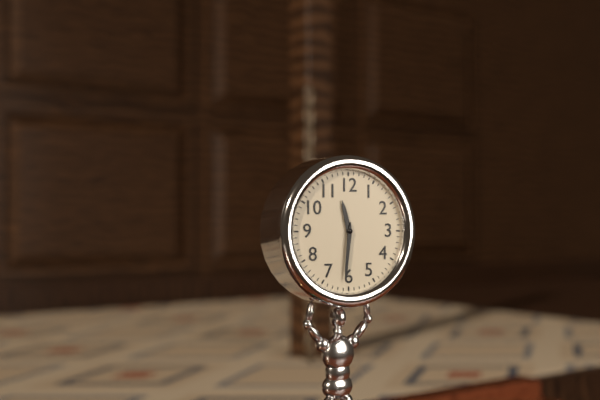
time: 11:31
